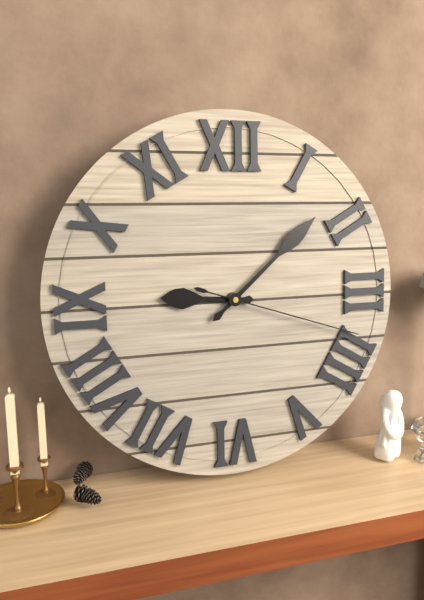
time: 9:08:18
